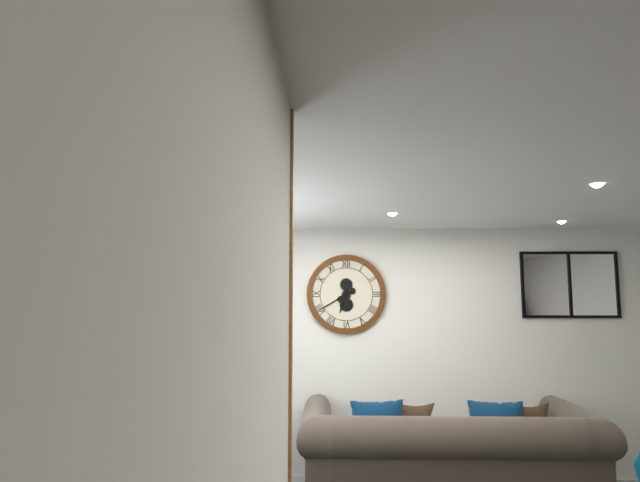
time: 6:40
